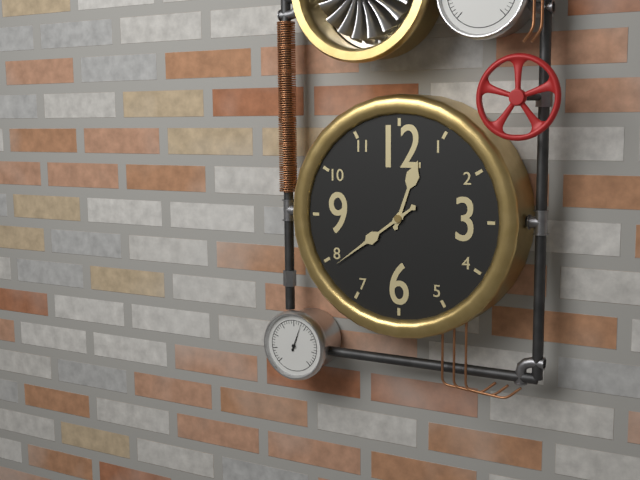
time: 12:39
